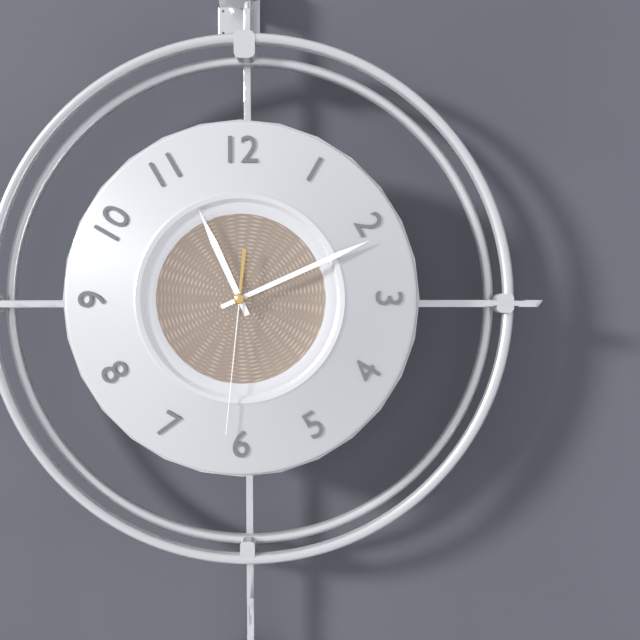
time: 11:11:31
